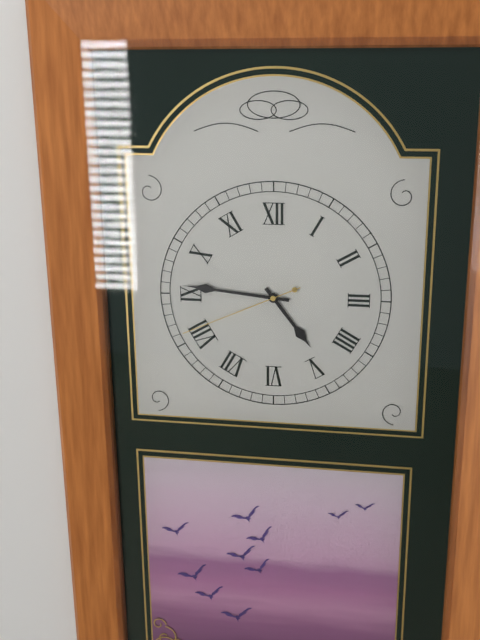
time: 4:46:41
